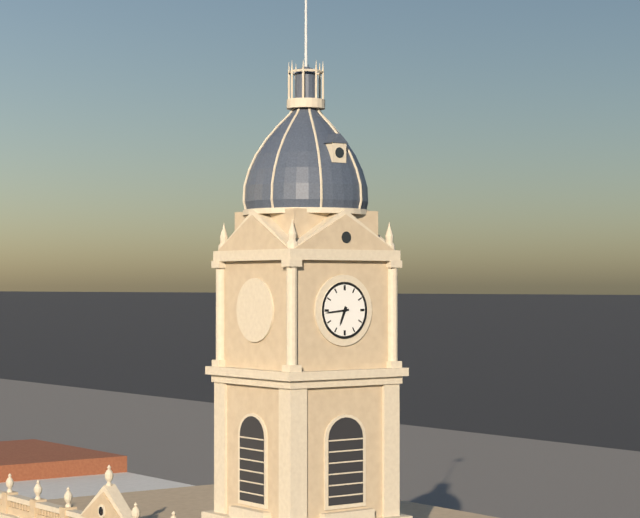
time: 6:44
